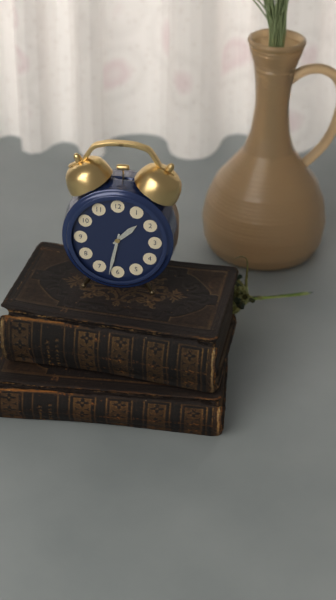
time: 1:32
